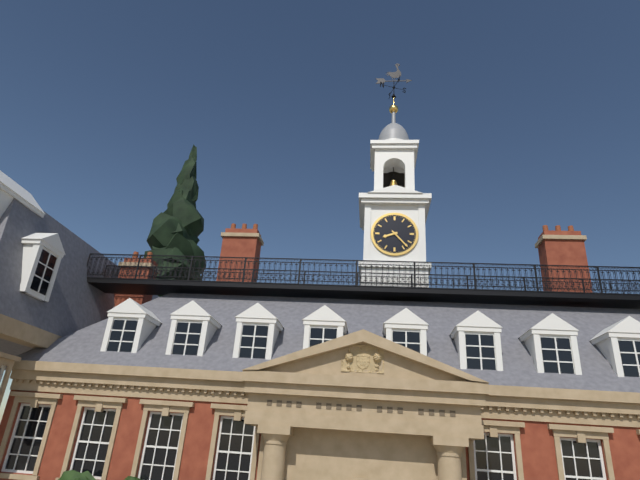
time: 8:23
